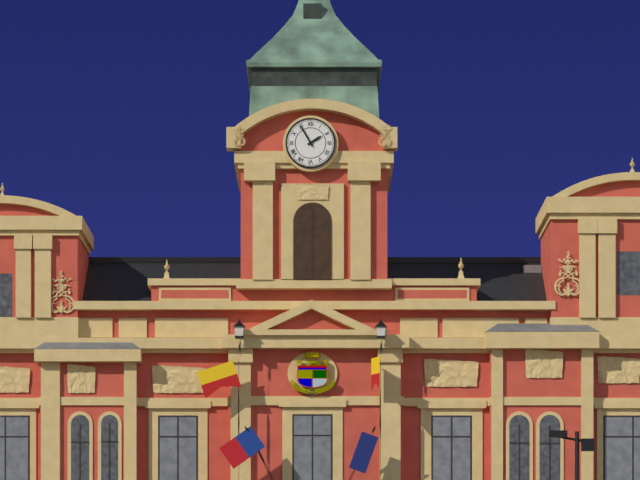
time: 1:55
